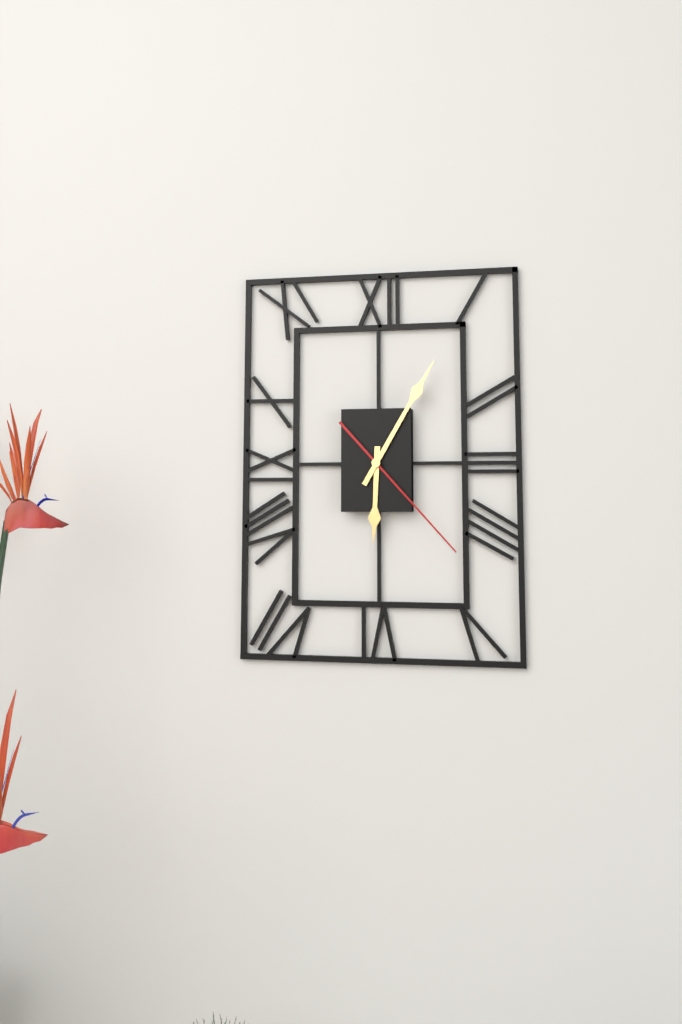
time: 6:05:23
